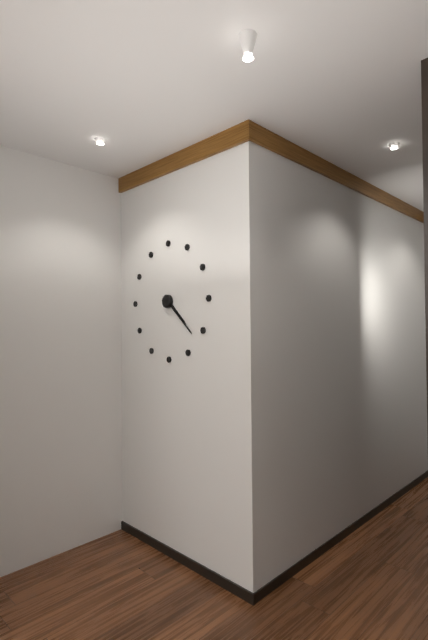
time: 4:22
